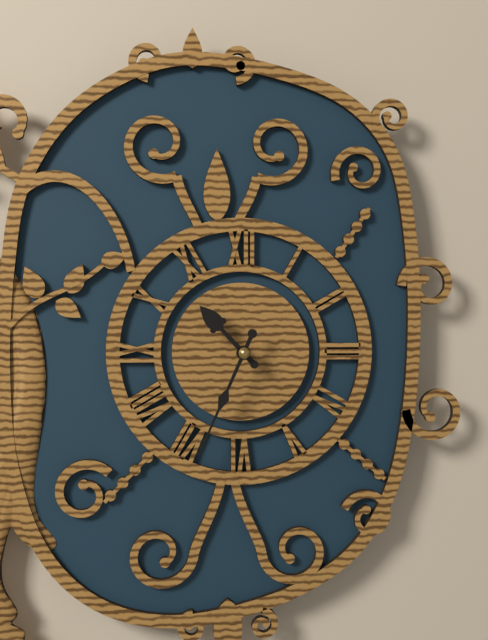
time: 10:34
